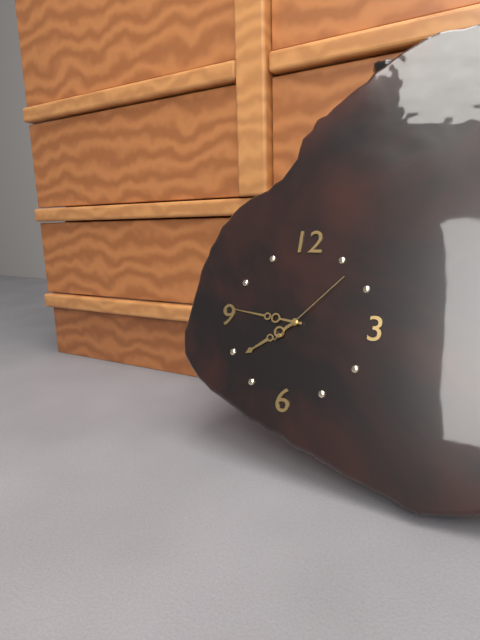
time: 7:46:07
